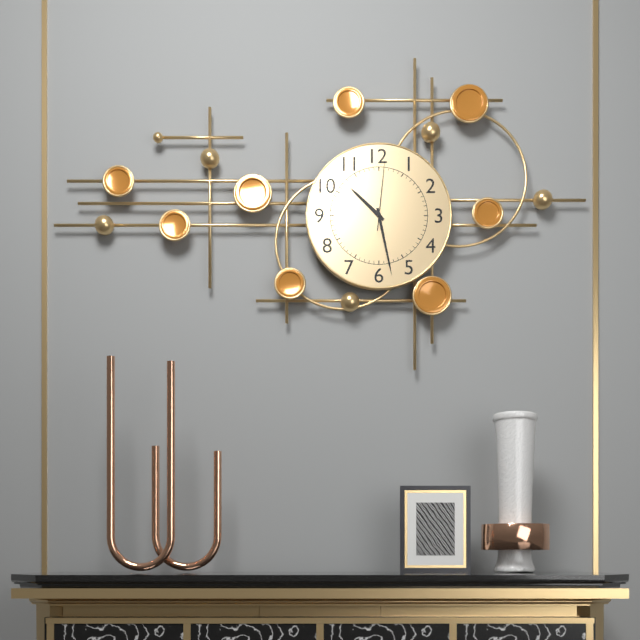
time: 10:28:01
